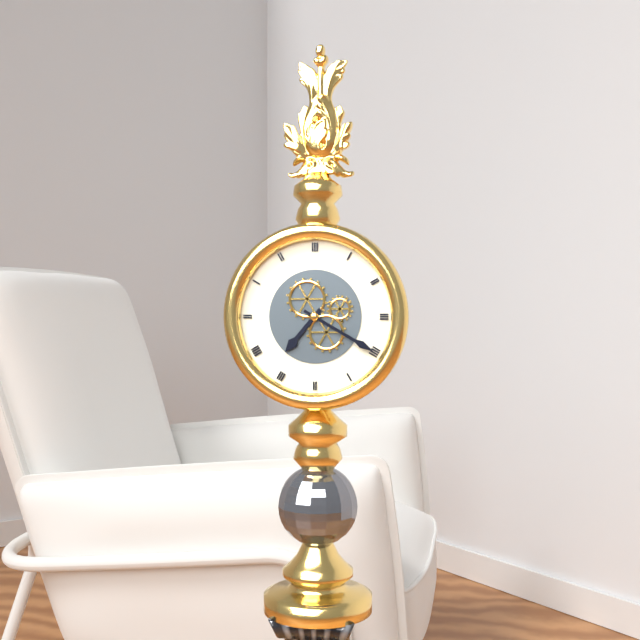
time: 7:20
